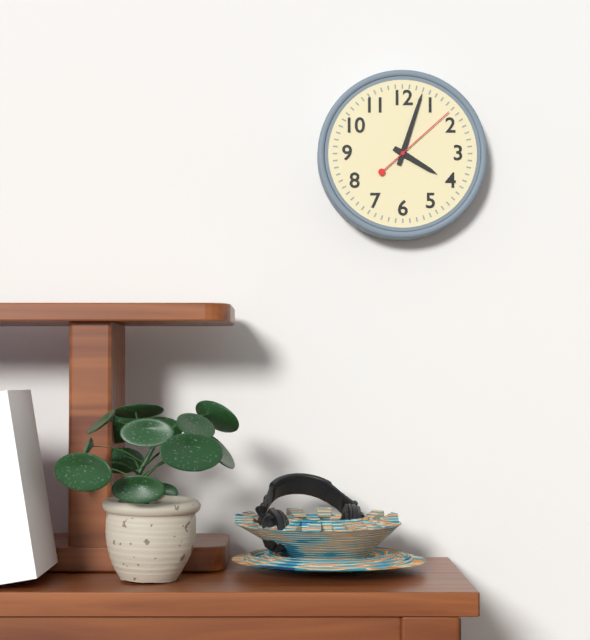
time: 4:03:08
